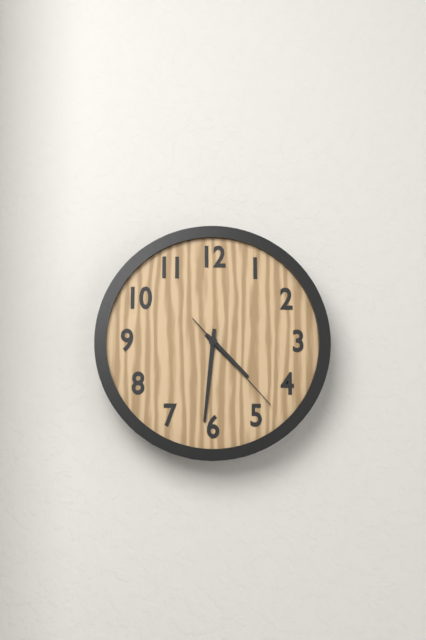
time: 4:31:23
